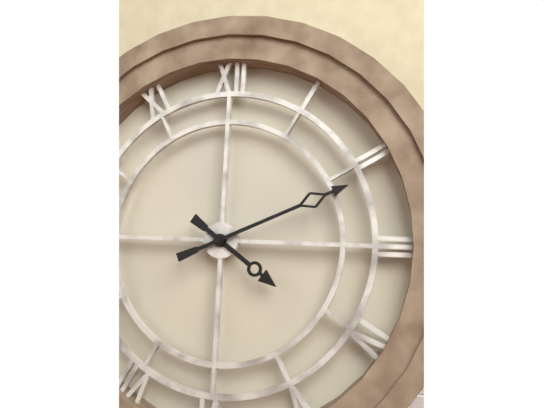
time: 4:11
